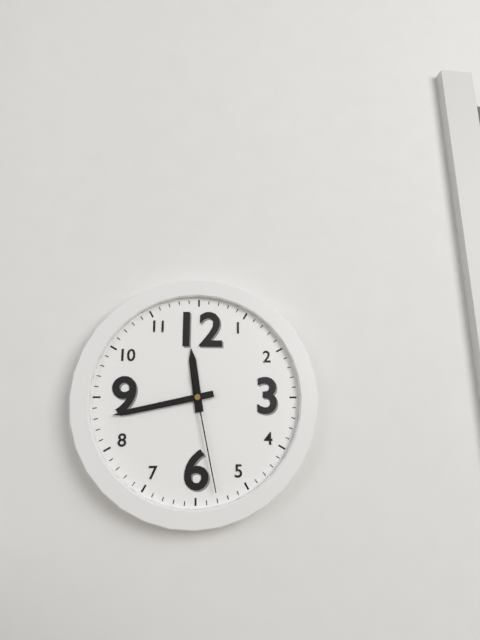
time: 11:43:28
